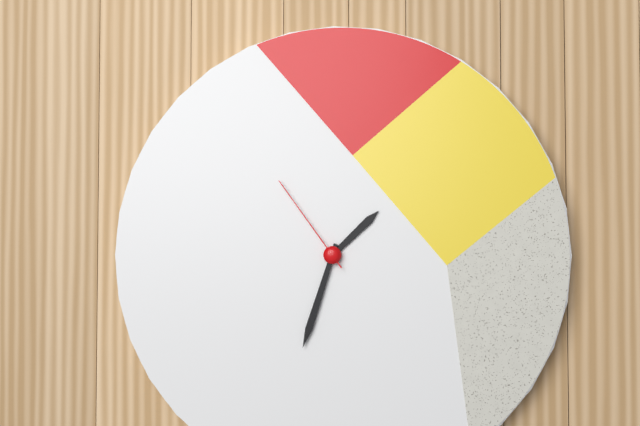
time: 1:33:54
